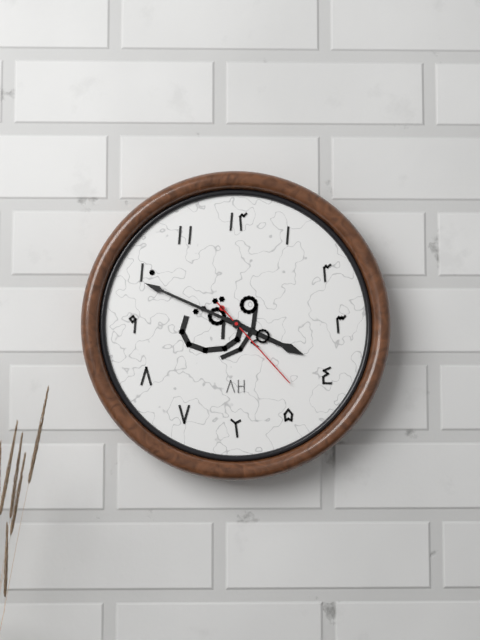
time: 3:49:23
